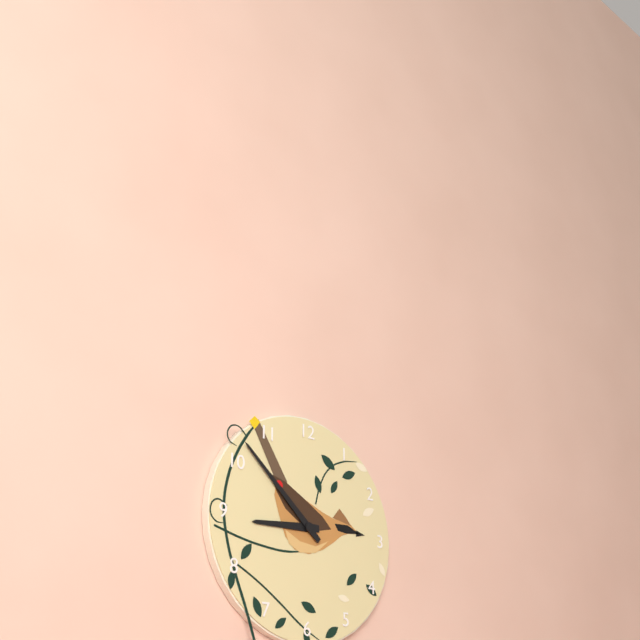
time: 8:52
